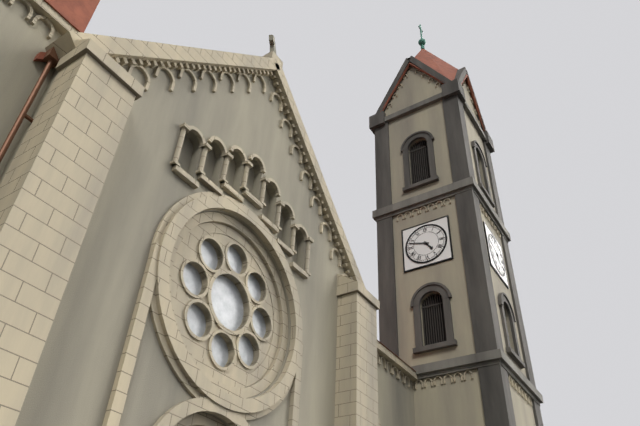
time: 4:48
